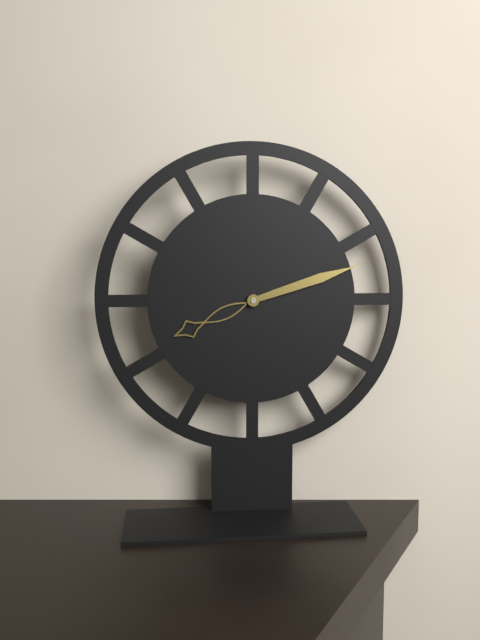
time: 8:12
